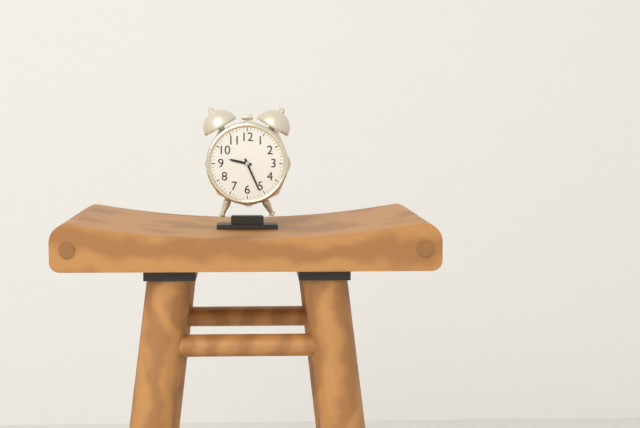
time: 9:26
